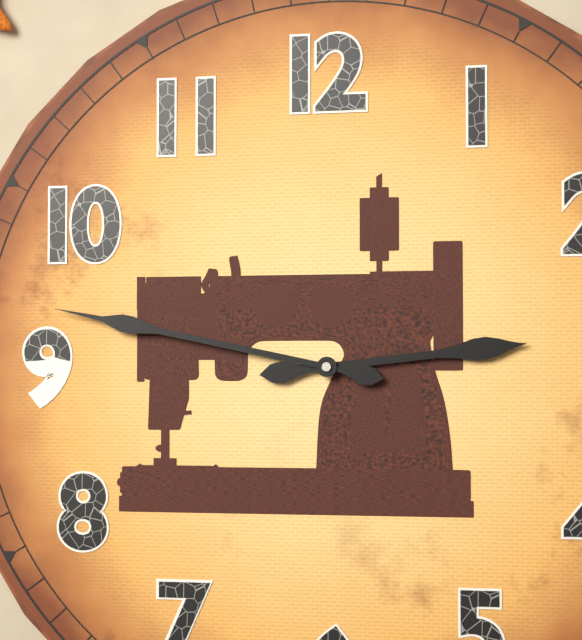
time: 2:47
